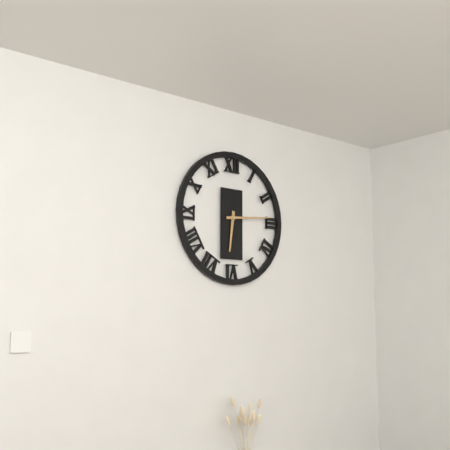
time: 6:14
